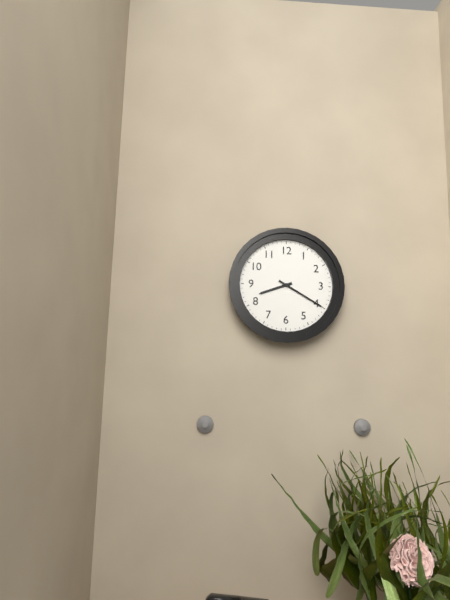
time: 8:20
